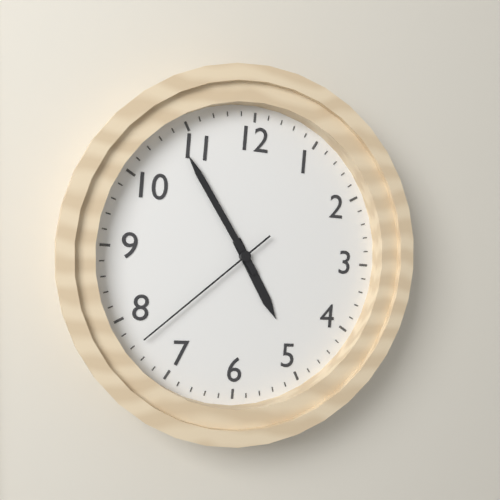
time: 4:54:38
